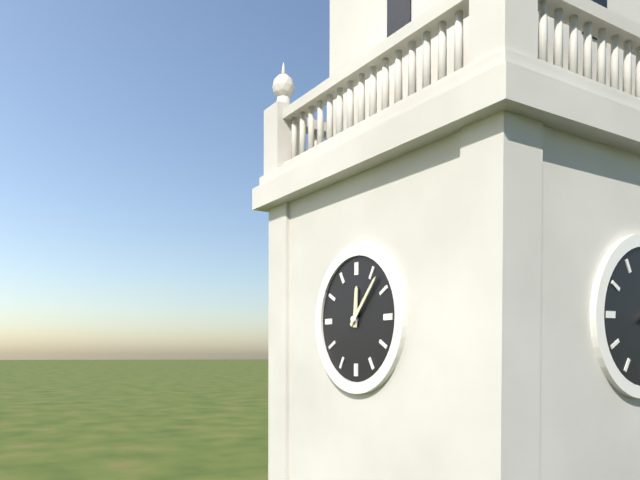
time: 12:07
